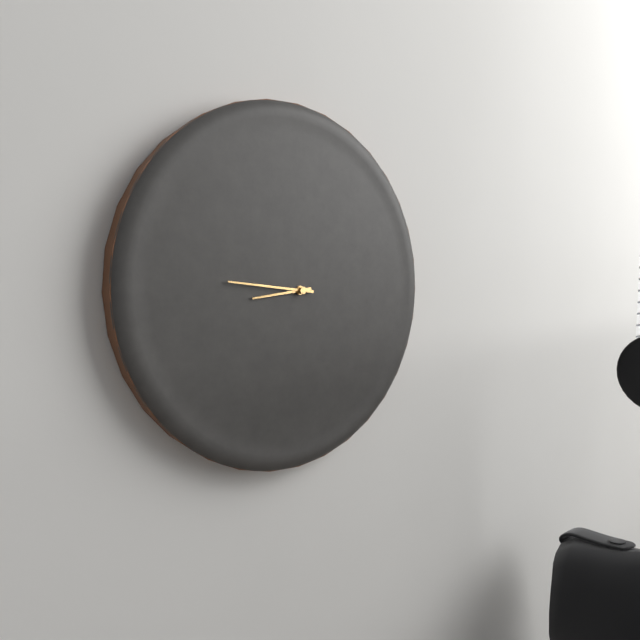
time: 8:46
